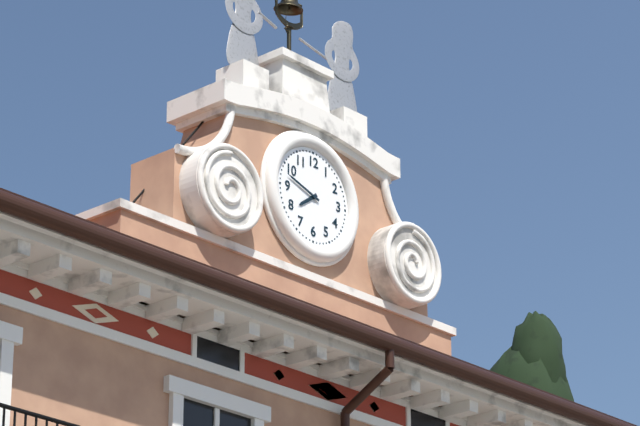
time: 7:48
